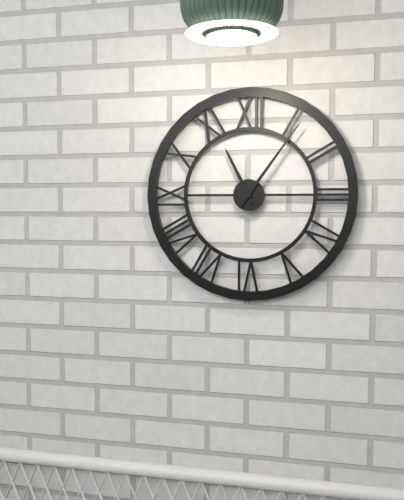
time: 11:06
